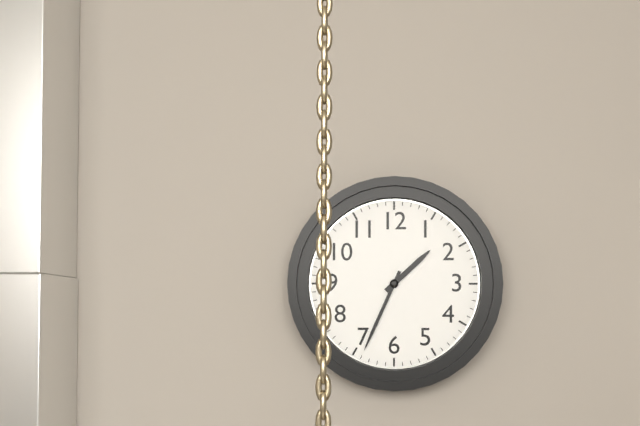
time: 1:34
